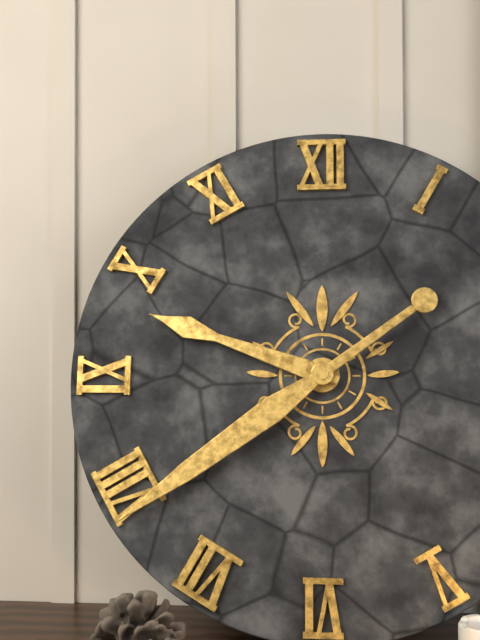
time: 9:39
